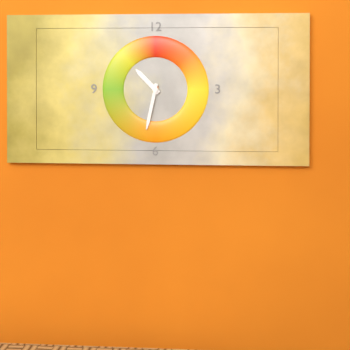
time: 10:32
